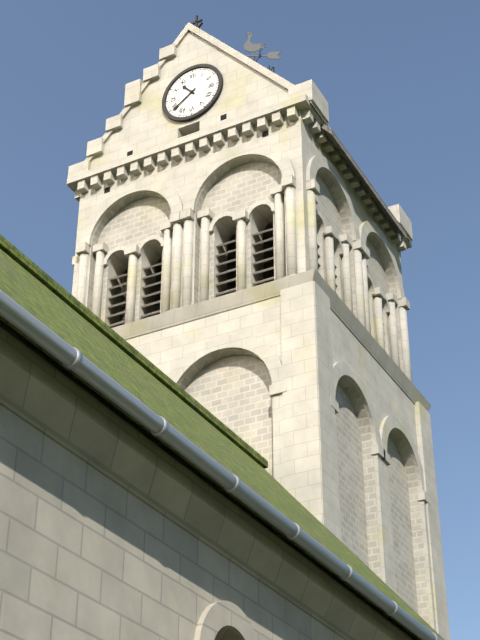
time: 10:39
